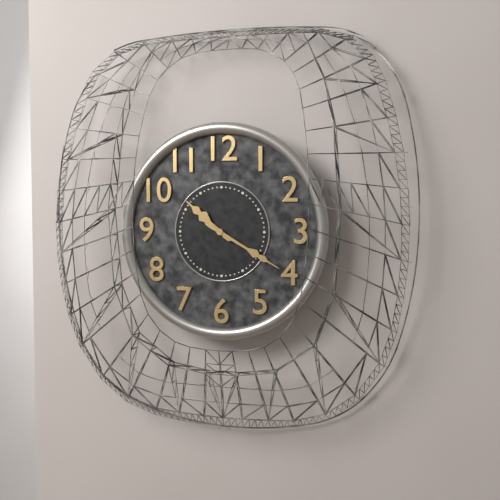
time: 10:20
